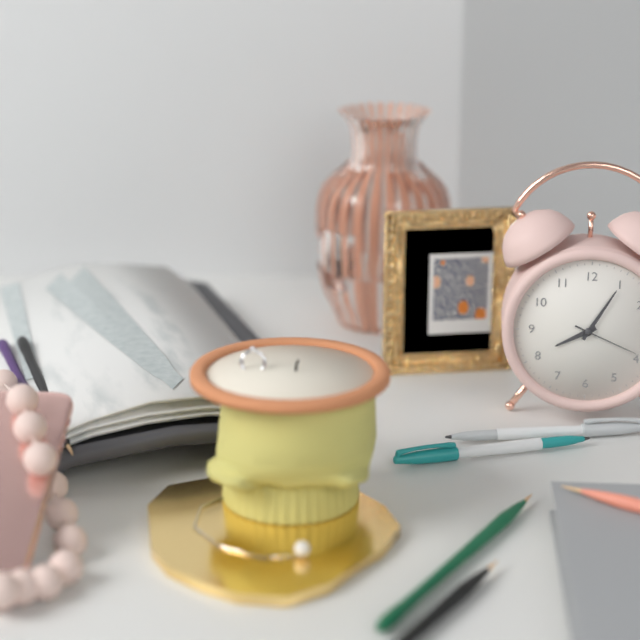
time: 8:05:19
